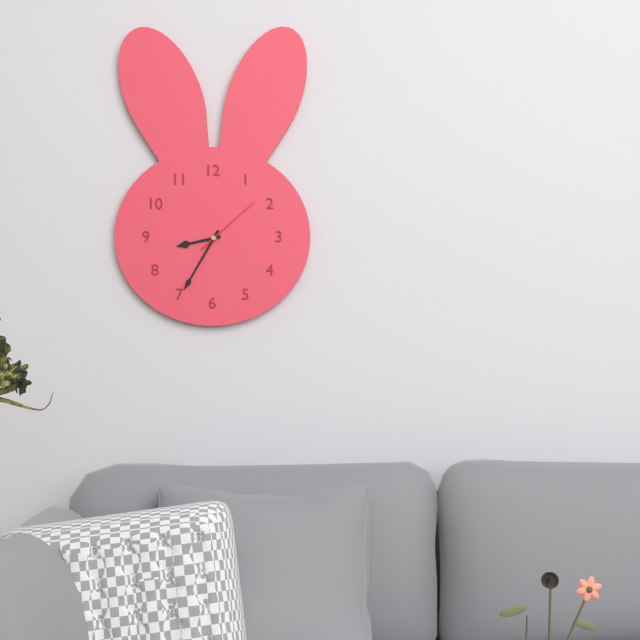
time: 8:35:08
